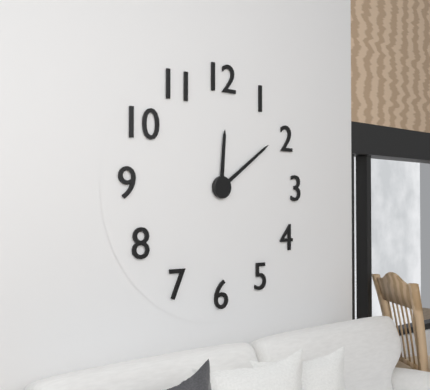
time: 12:09
